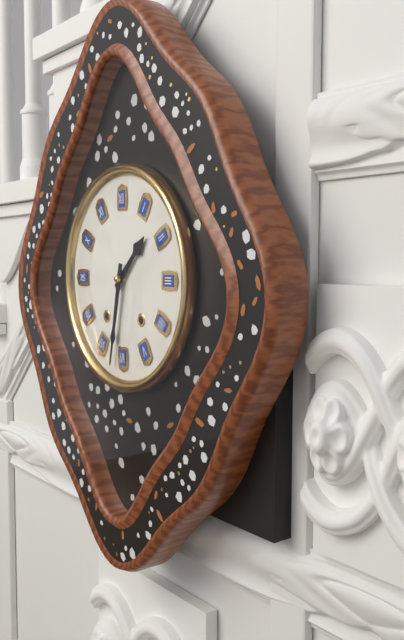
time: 1:32
